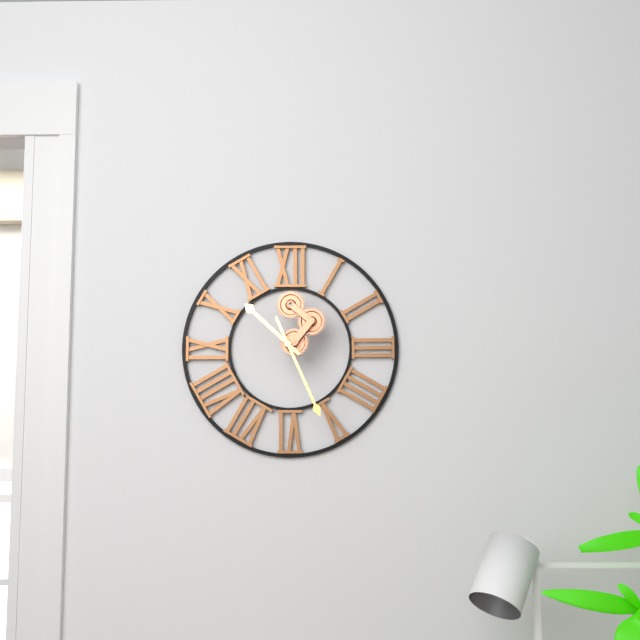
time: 10:26
